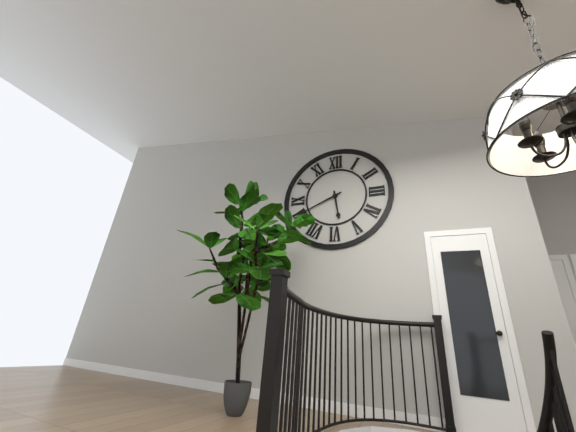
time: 5:41
